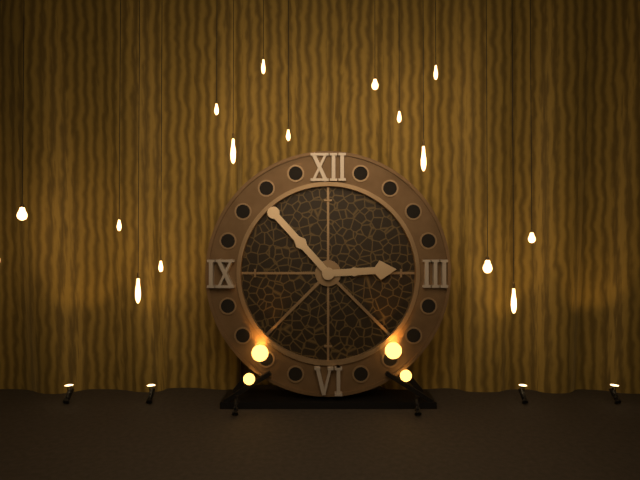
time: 2:53
